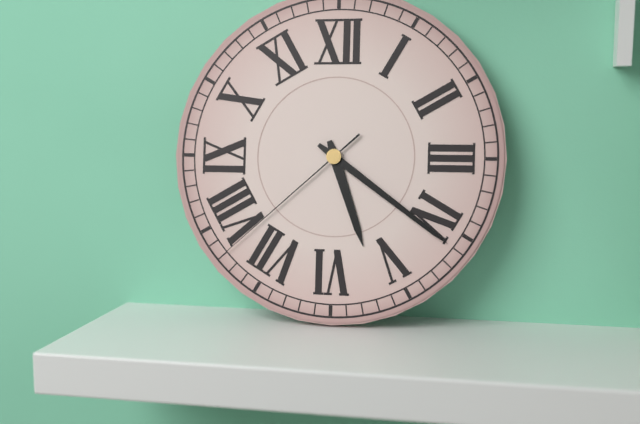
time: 5:21:38
